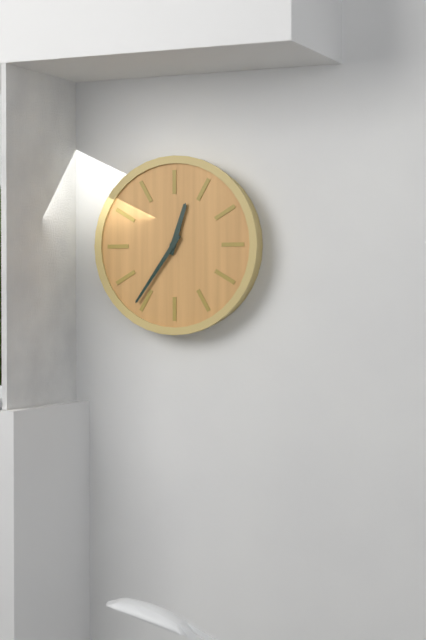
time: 12:36
